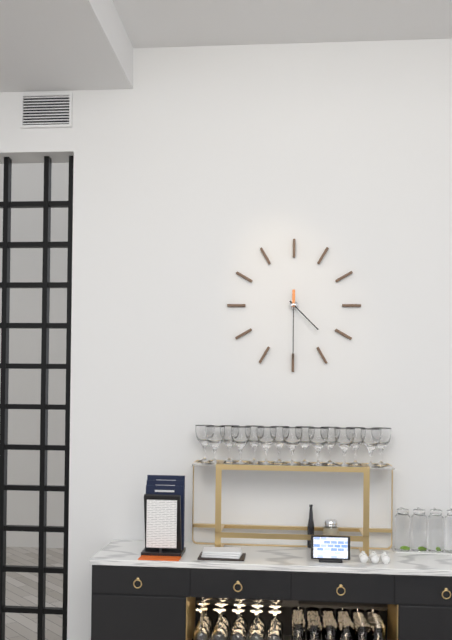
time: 4:30
